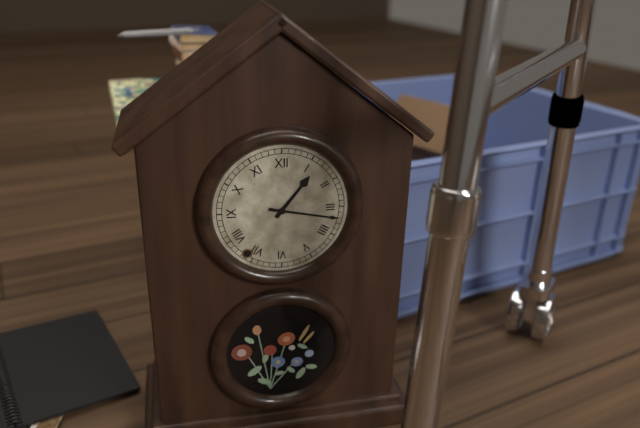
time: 1:17
